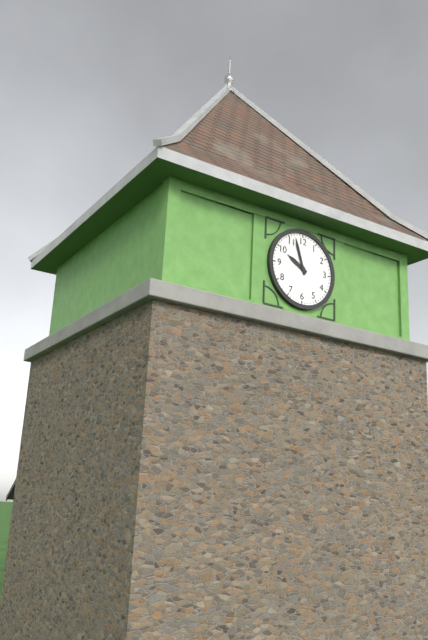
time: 9:57
